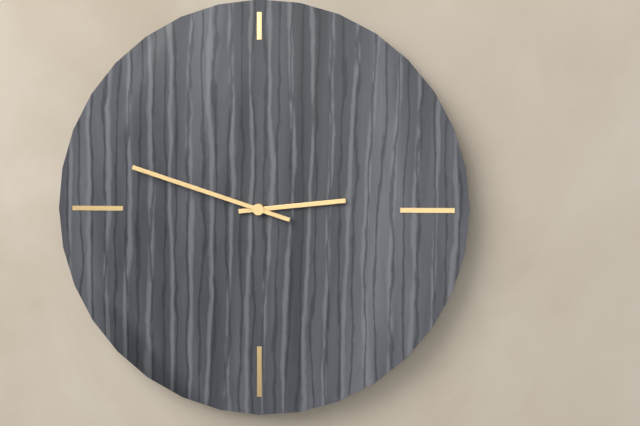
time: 2:48
